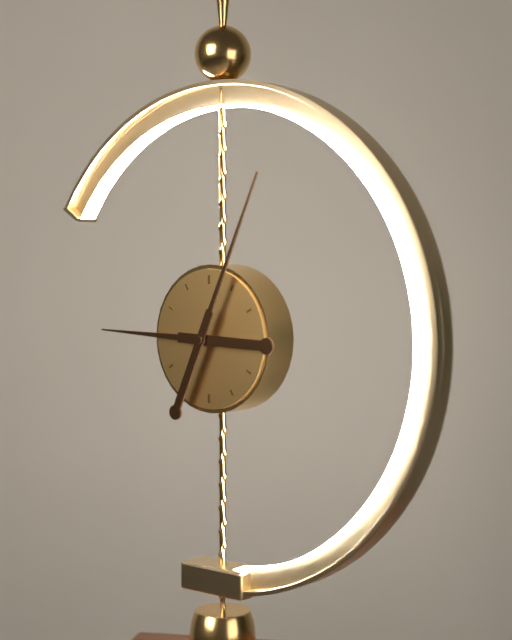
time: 9:04
